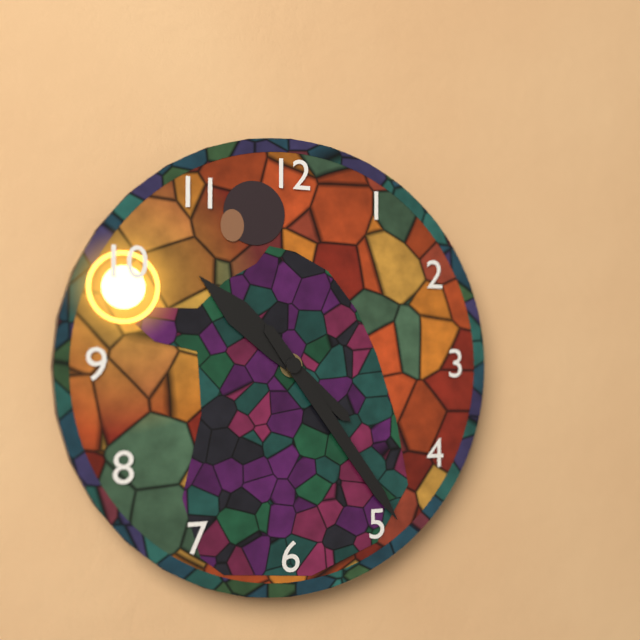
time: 10:24
